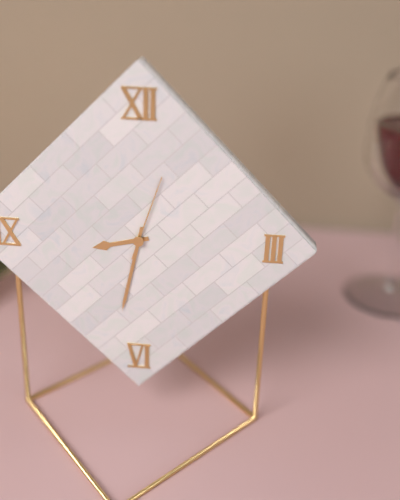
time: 8:32:03
